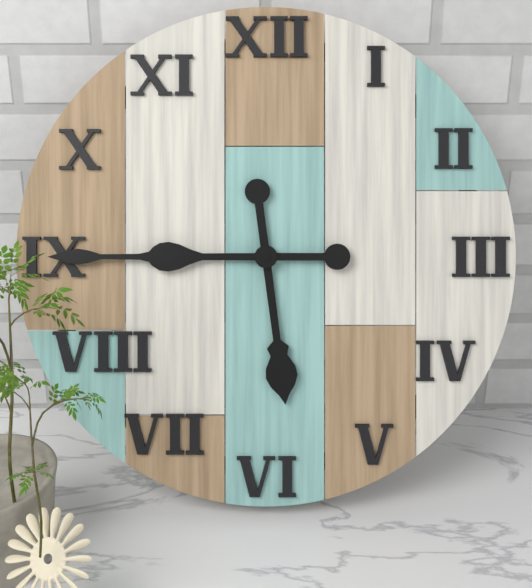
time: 5:45
